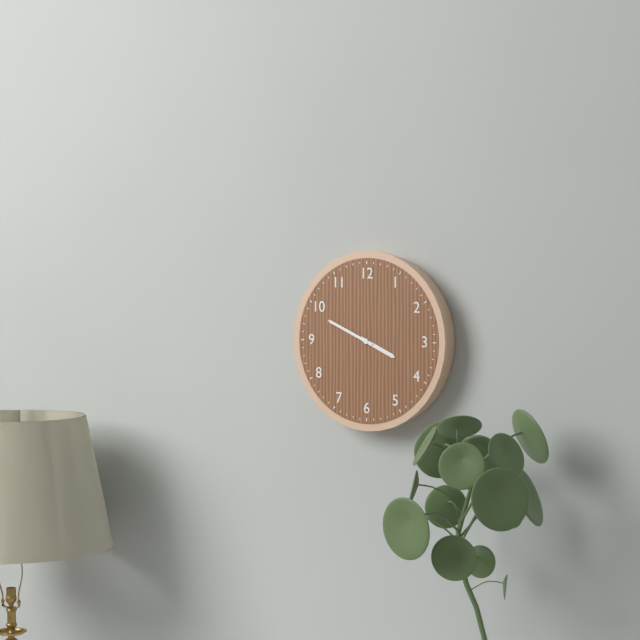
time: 3:49
